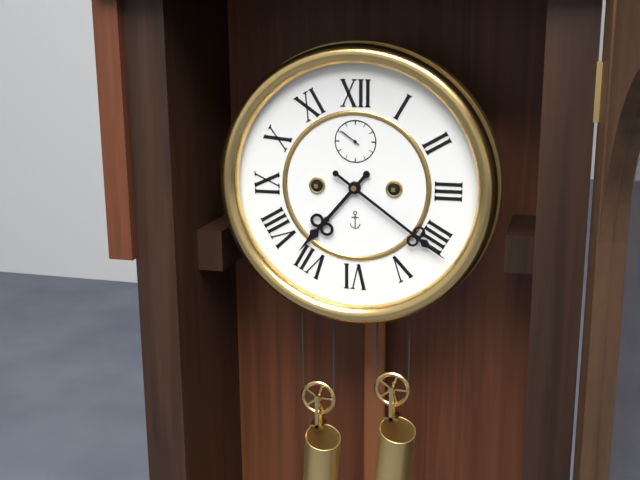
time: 7:21
